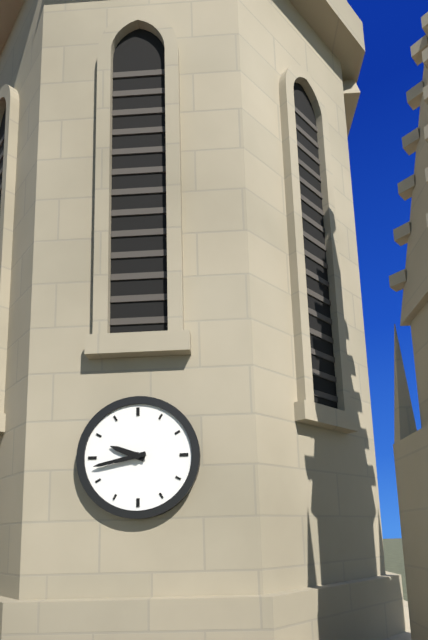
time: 9:43
